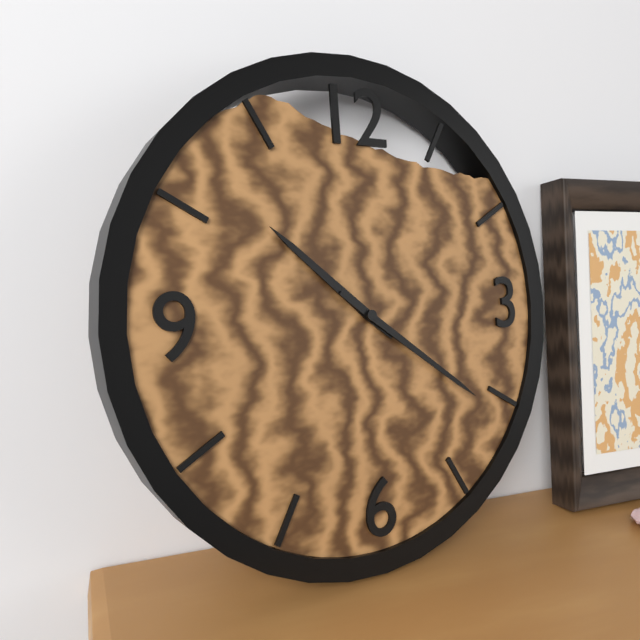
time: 10:21
